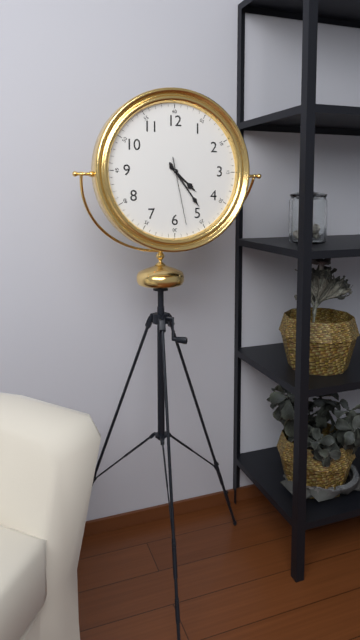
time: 4:24:28
